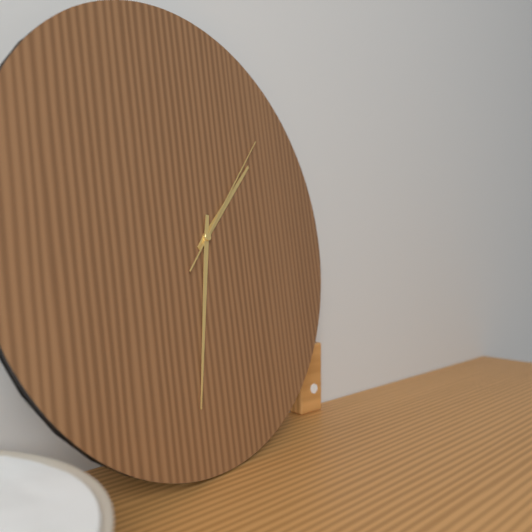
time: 1:32:07
